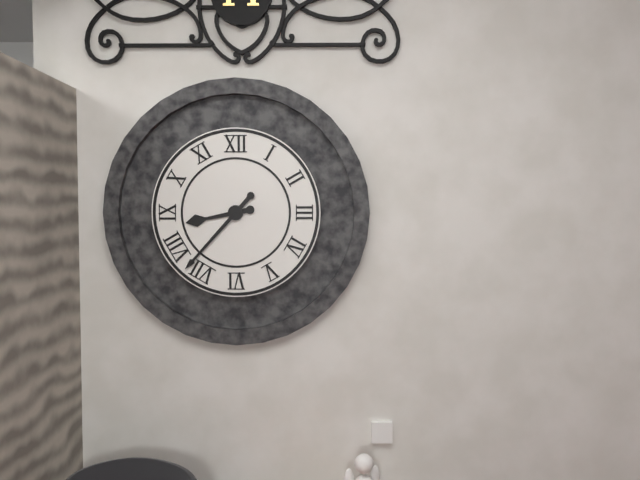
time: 8:37
